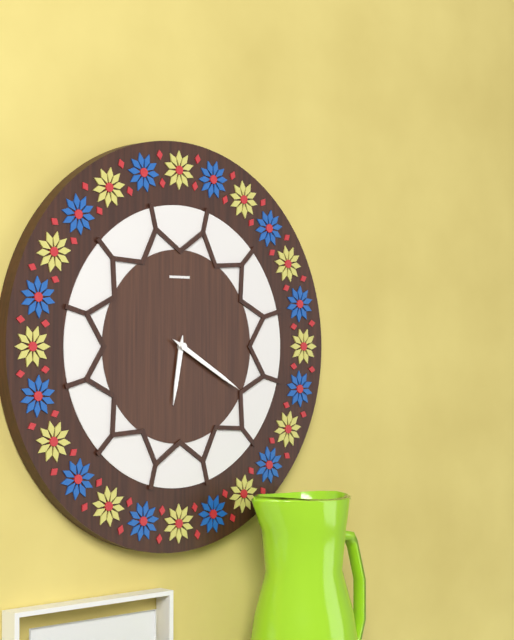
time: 6:20
